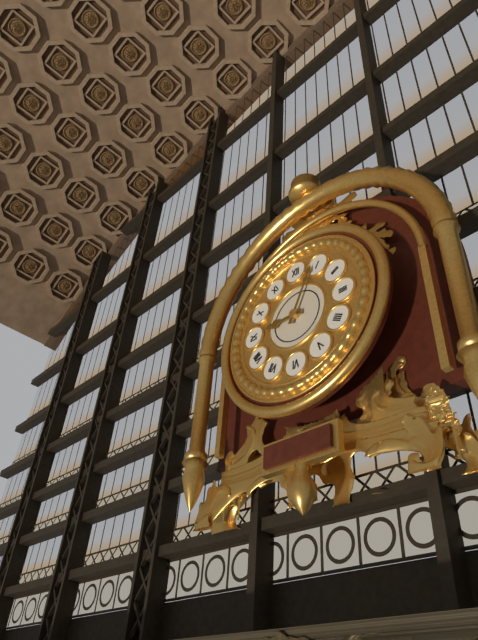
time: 9:04
